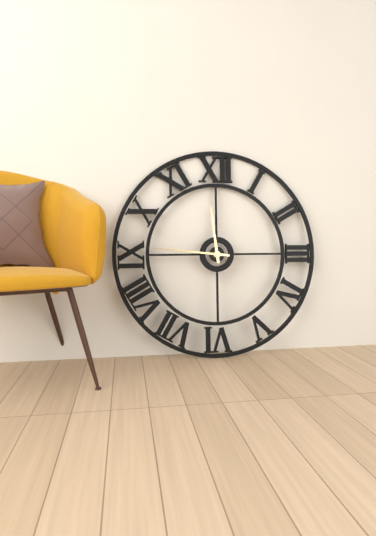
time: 11:46
